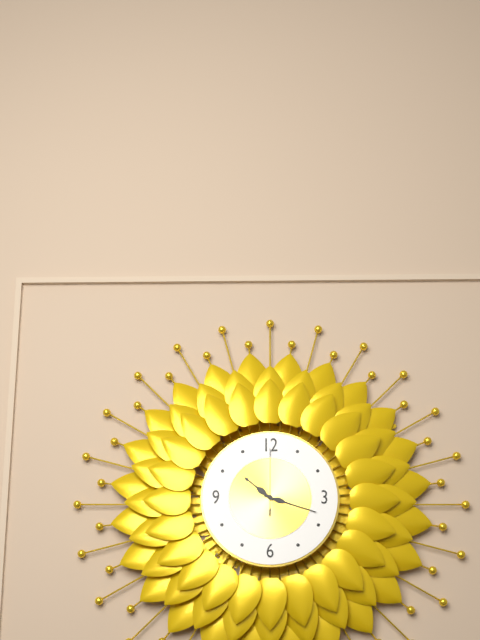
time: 10:18:00
